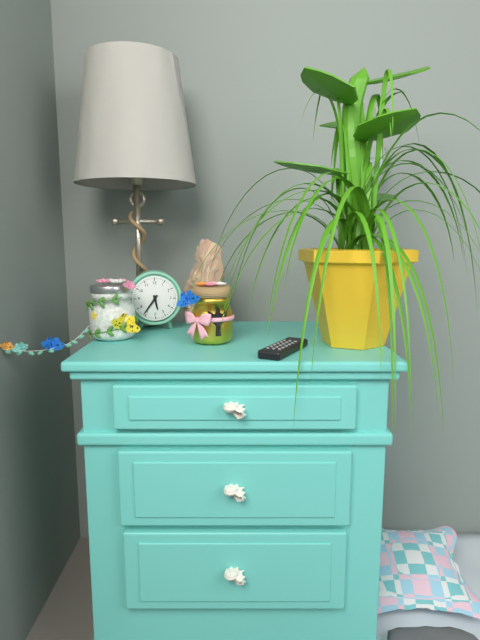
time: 5:36
